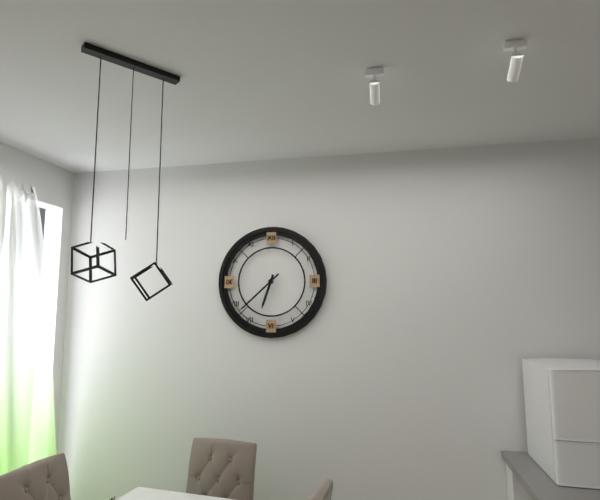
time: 6:38
